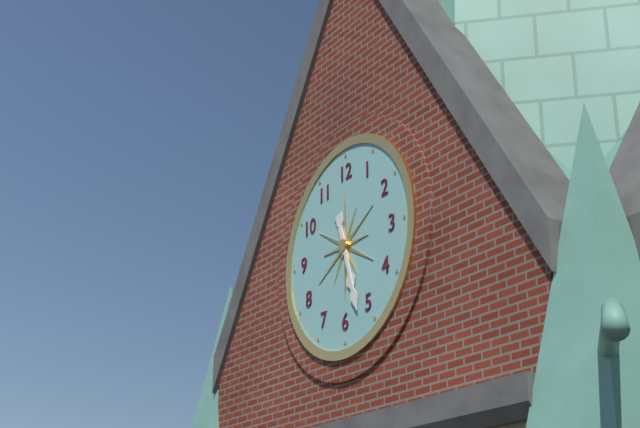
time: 5:27
